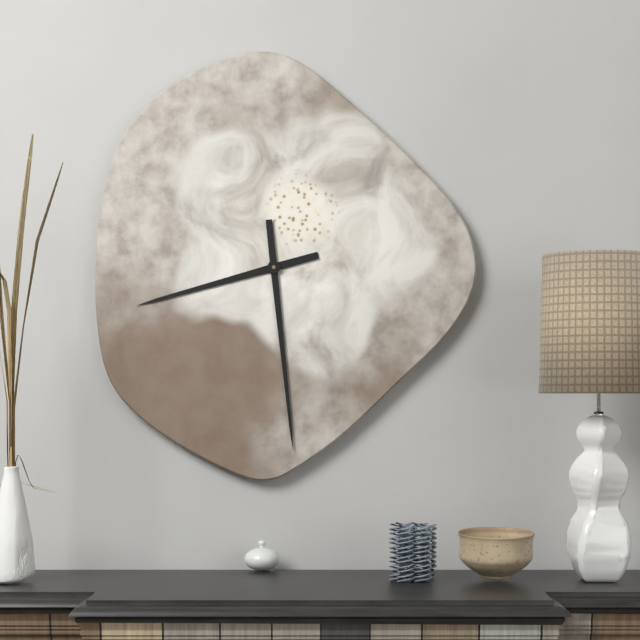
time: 8:29
